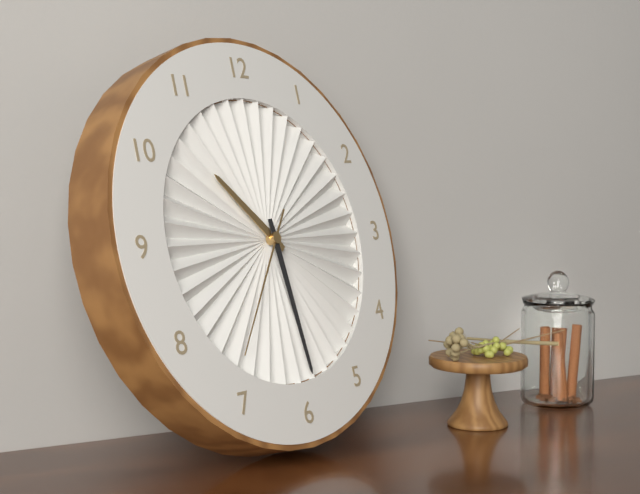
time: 10:29:36
